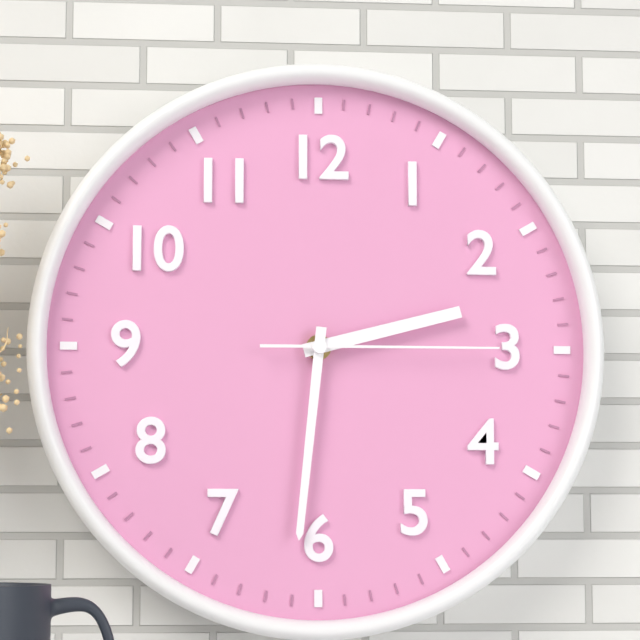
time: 2:31:15
